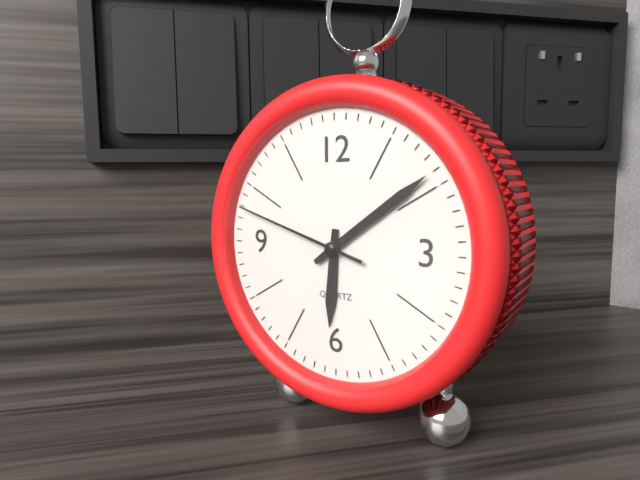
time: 6:09:48
